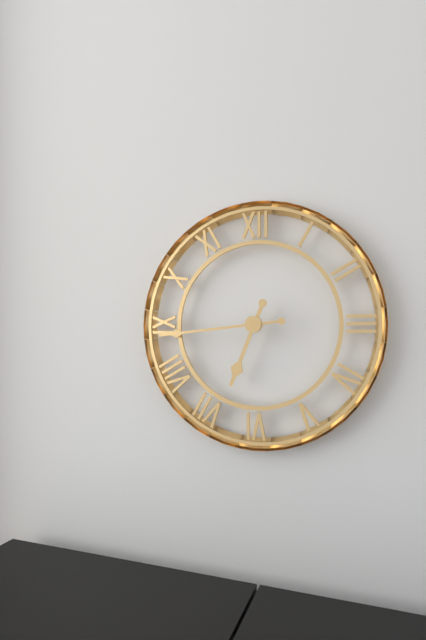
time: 6:44
